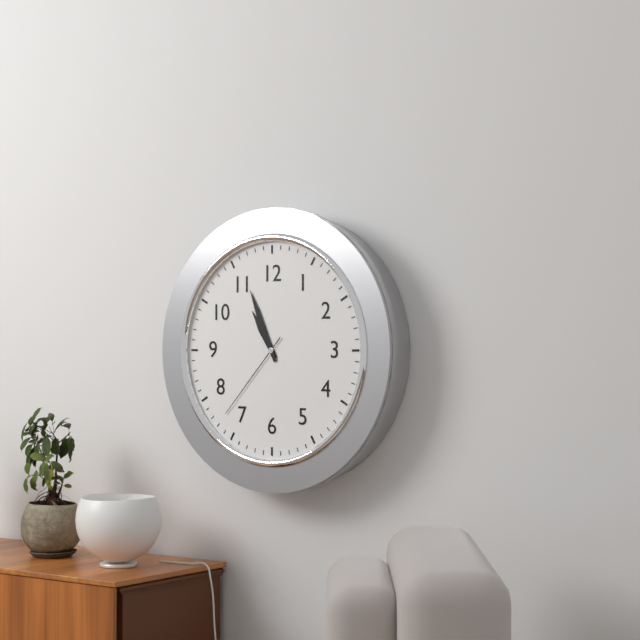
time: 10:56:37
